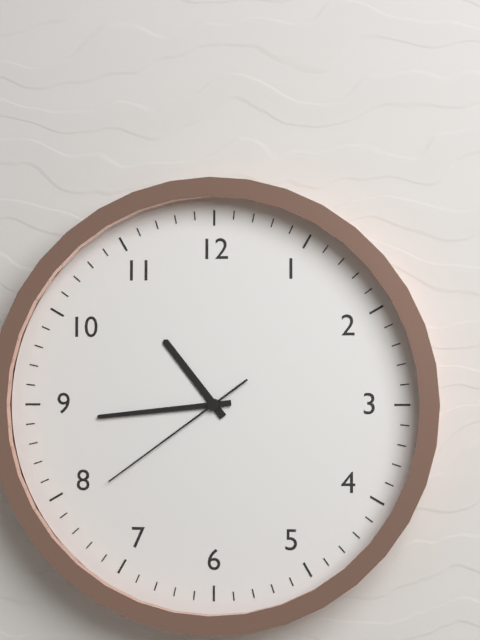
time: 10:44:39
